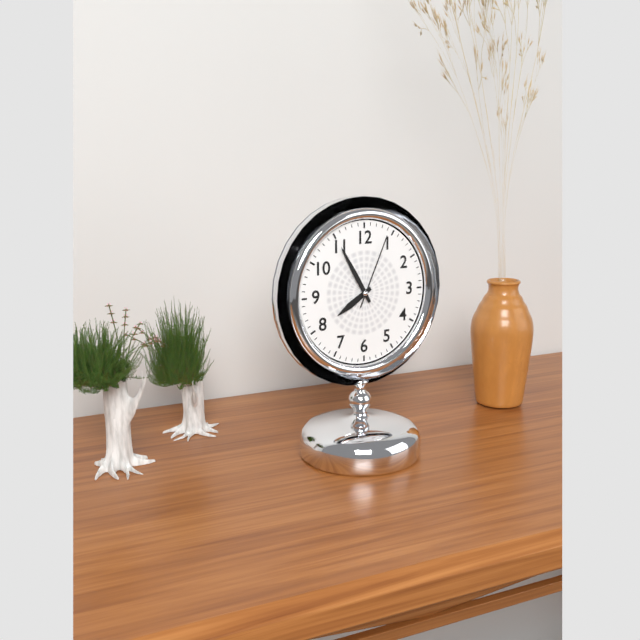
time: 7:55:04
